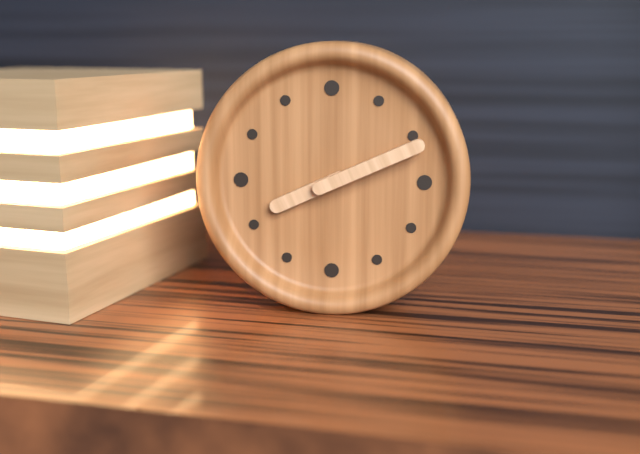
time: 8:11
